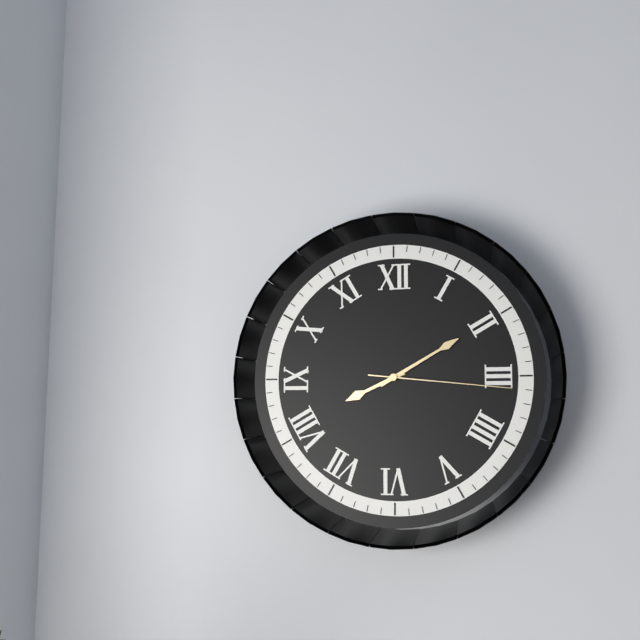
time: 8:10:16
